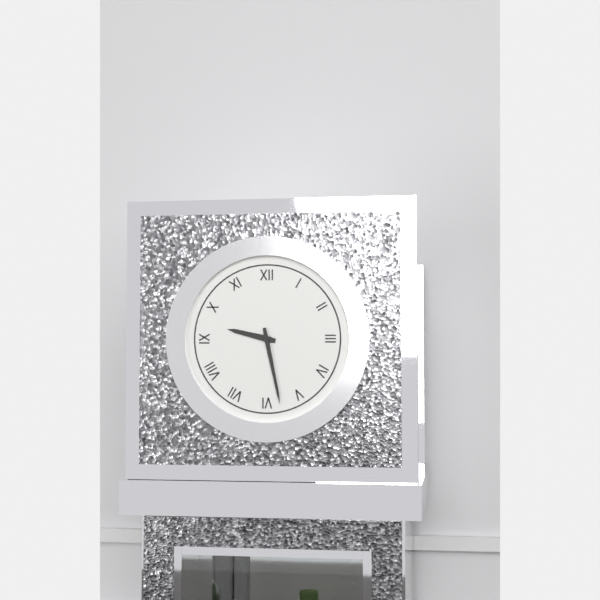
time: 9:28
